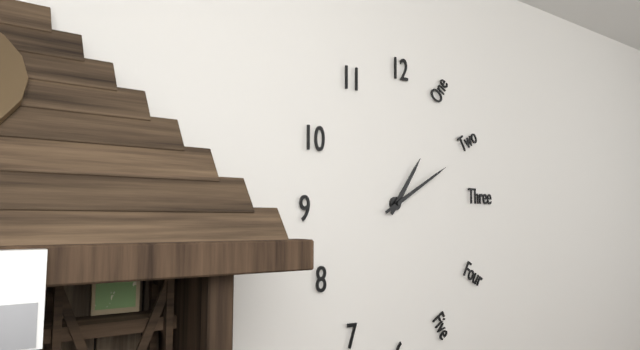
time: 1:10
